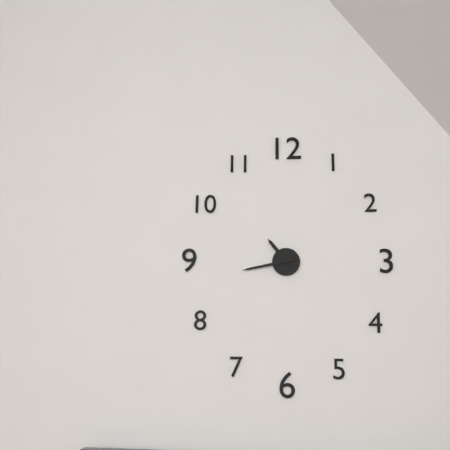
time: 10:43
